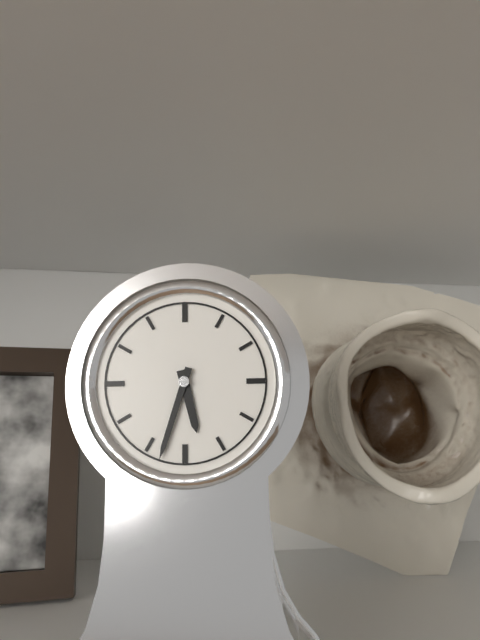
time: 5:33
